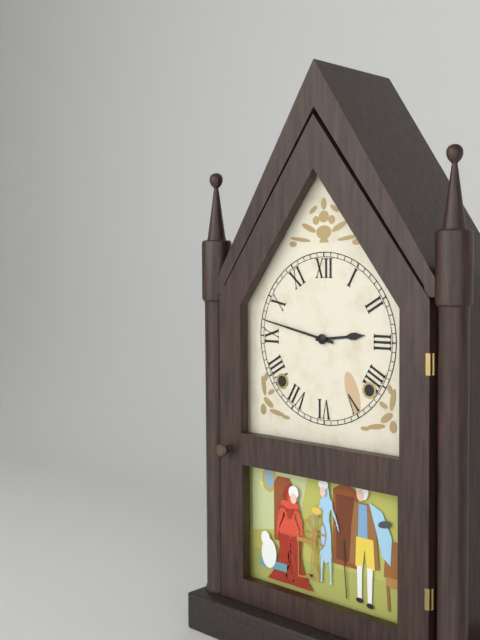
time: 2:47
